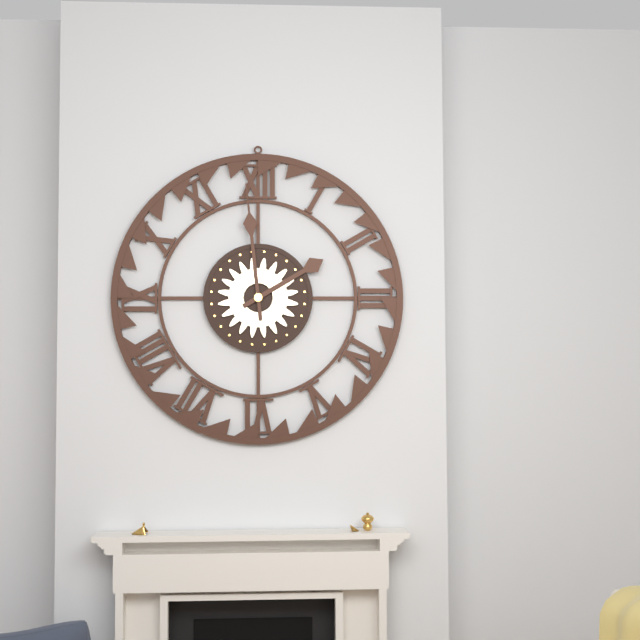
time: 1:59
